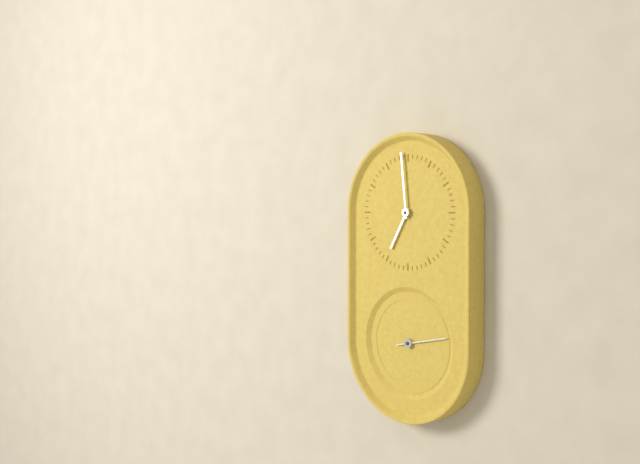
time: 6:59
